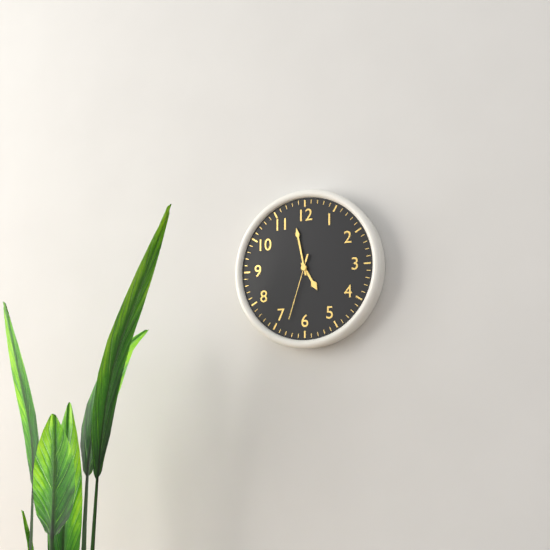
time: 4:58:33
